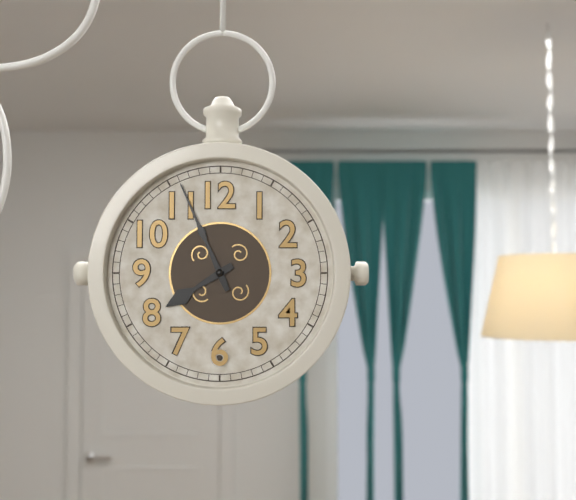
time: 7:56
